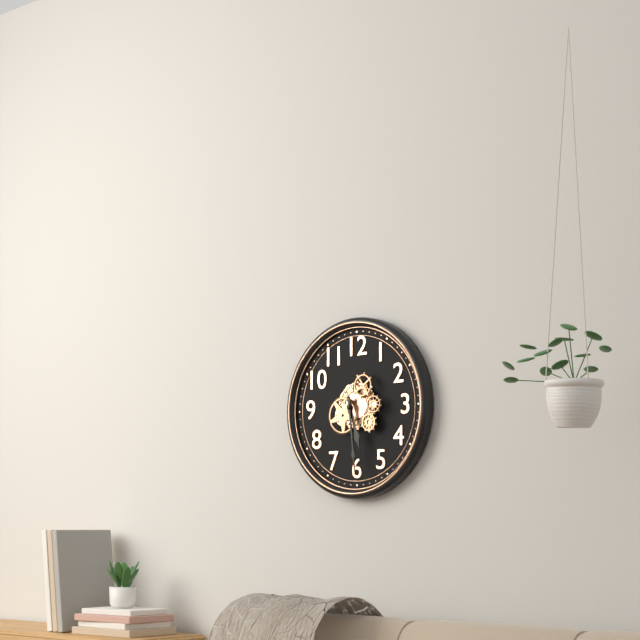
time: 5:29
